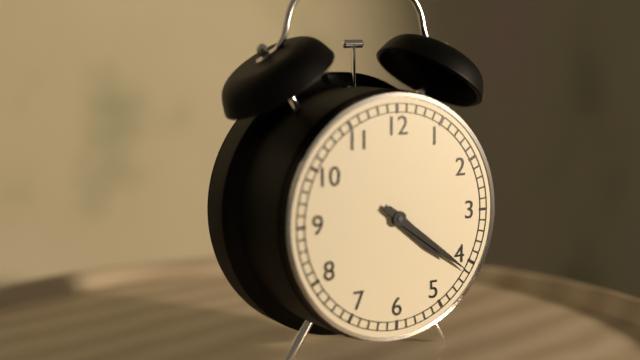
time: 4:21
